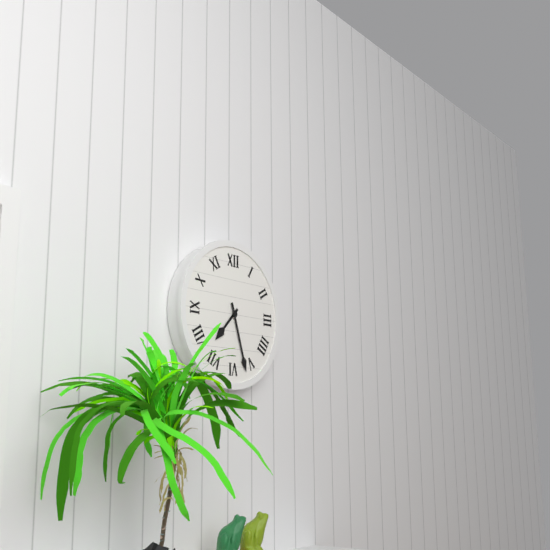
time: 7:27
